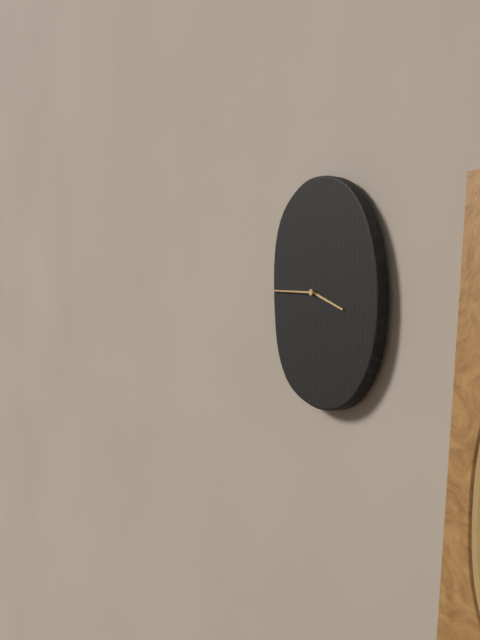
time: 3:46
